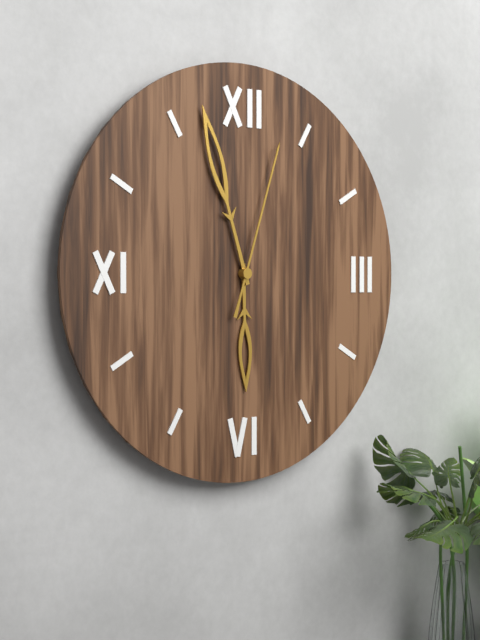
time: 5:57:03
